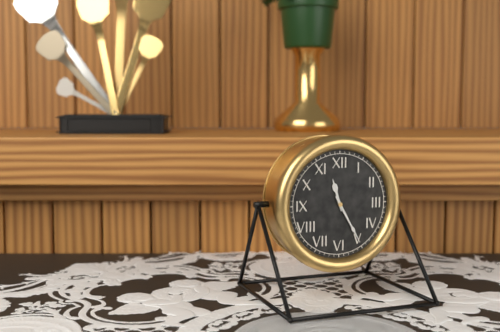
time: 11:25
